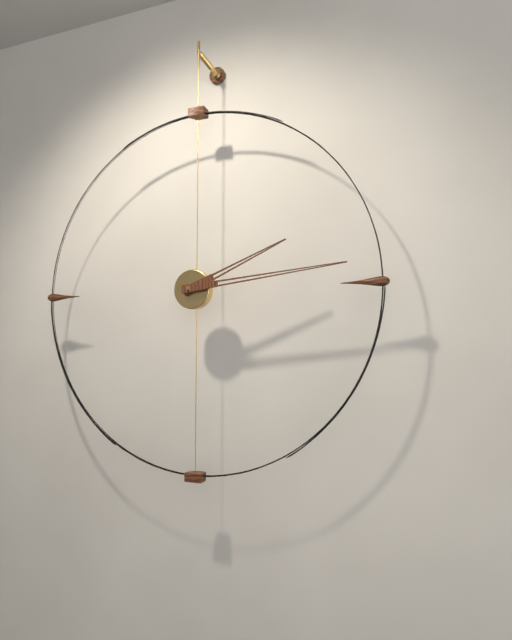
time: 2:14
